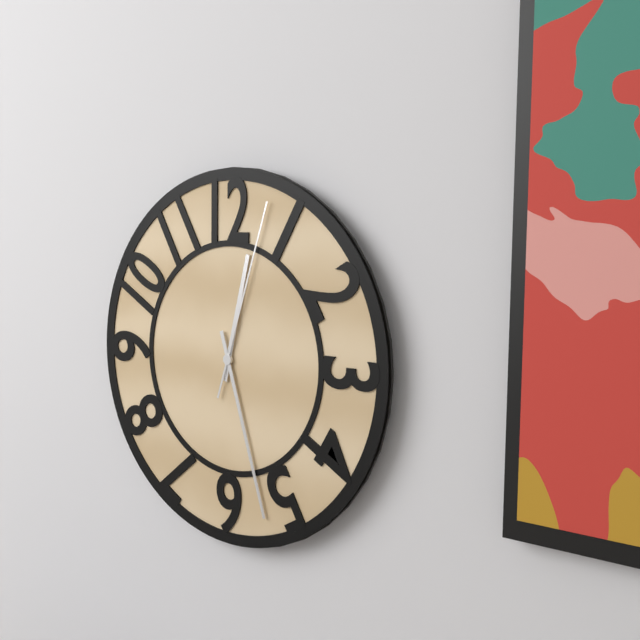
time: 12:27:03
